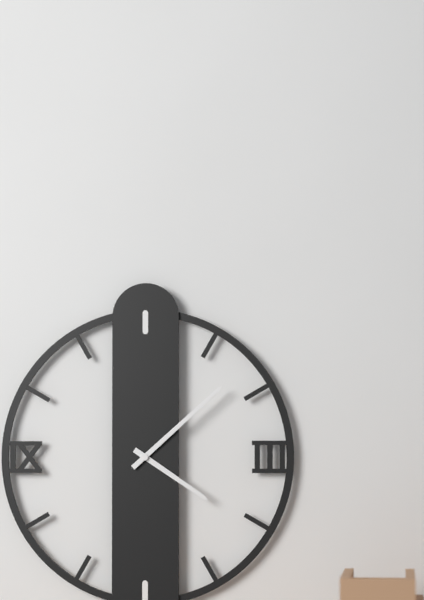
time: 4:08
